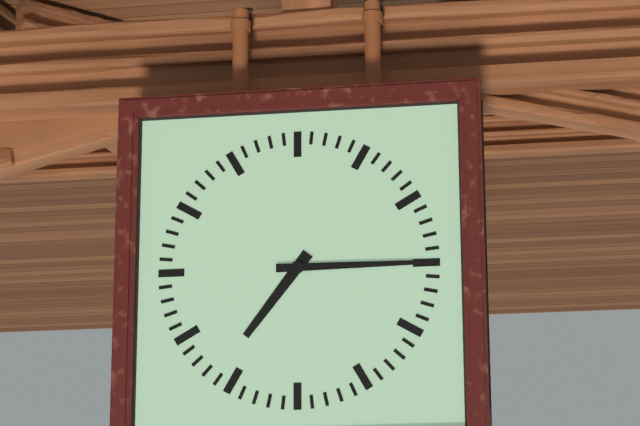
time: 7:15
